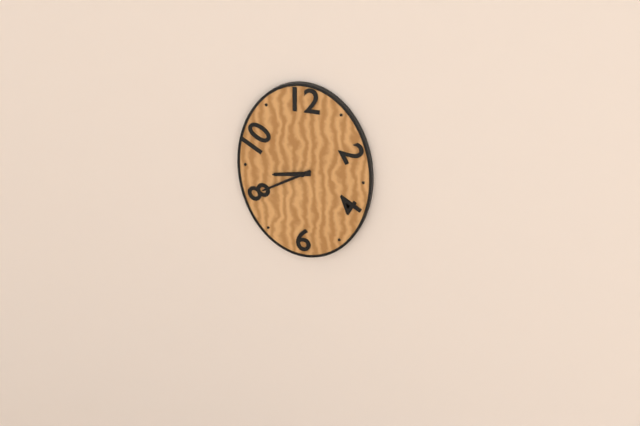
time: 8:40
